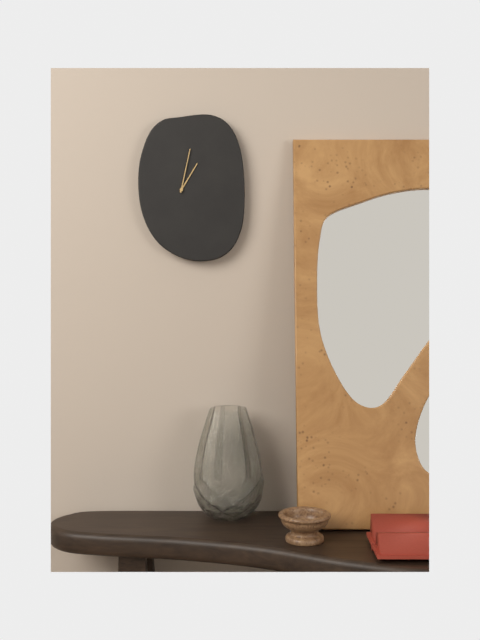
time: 1:02
